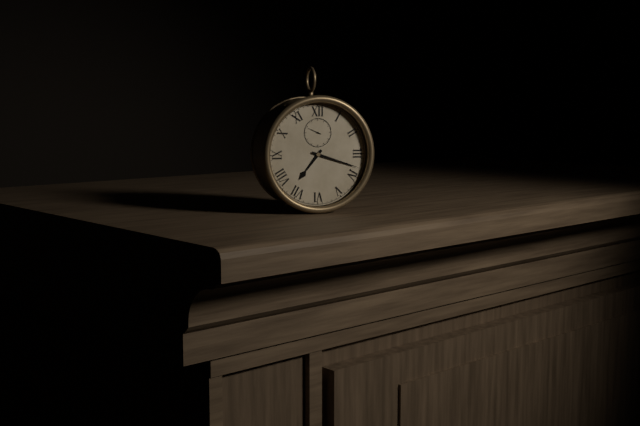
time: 7:18
